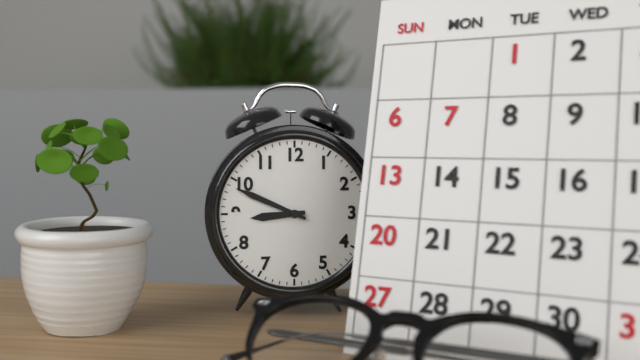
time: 8:49
